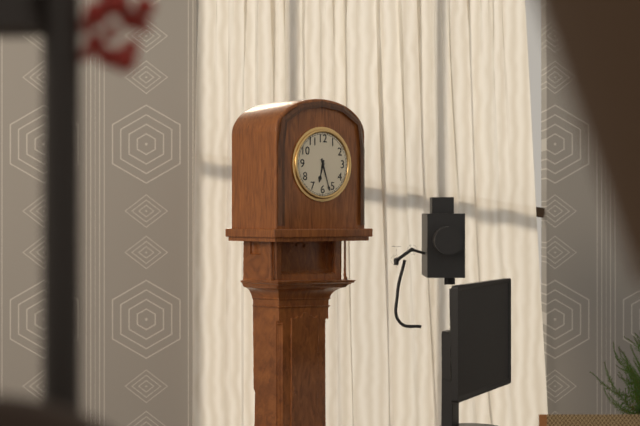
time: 6:27
